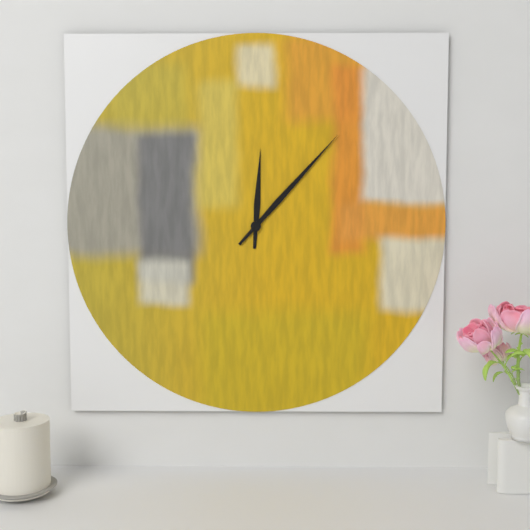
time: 12:07
